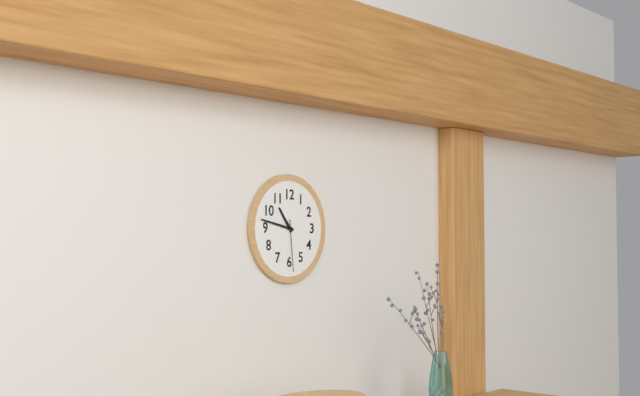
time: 10:47:29
